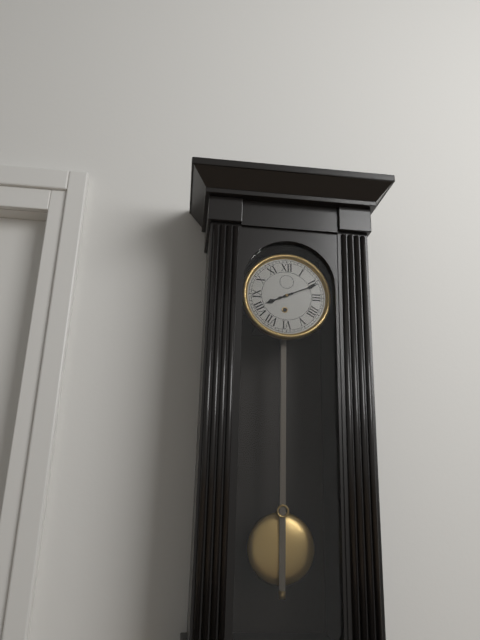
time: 8:11
